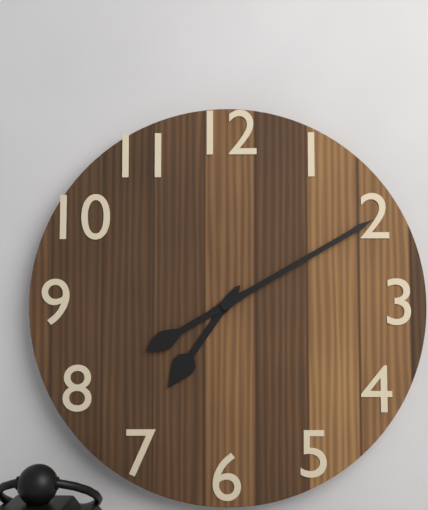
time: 7:10
